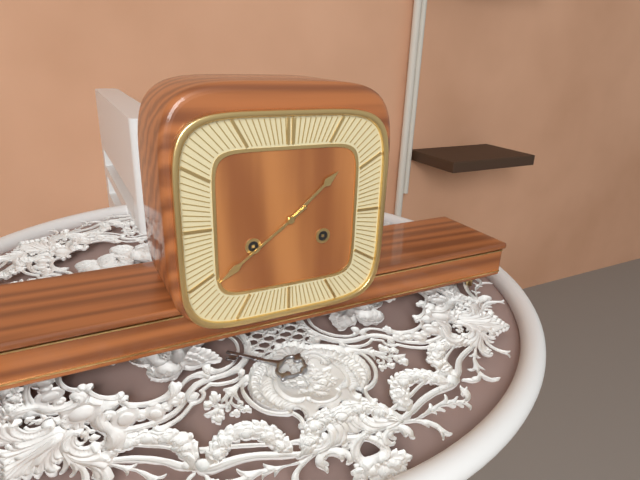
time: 1:39
